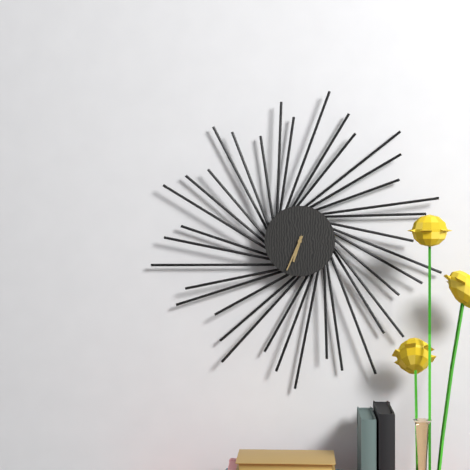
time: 6:34
